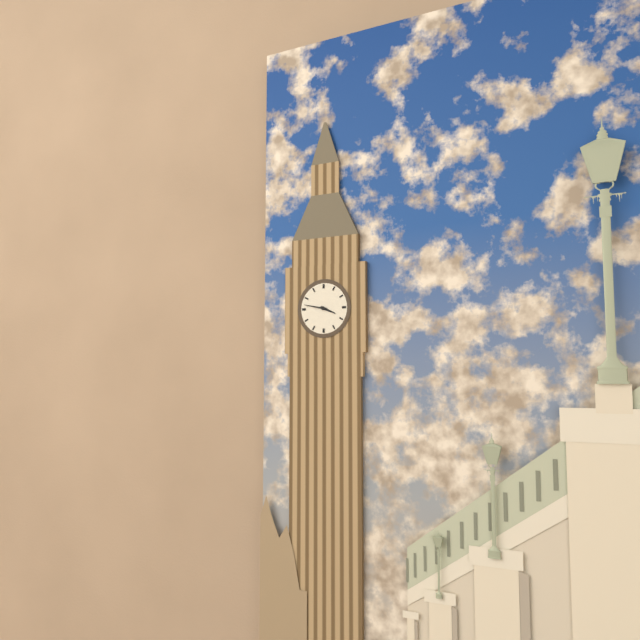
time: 3:47
